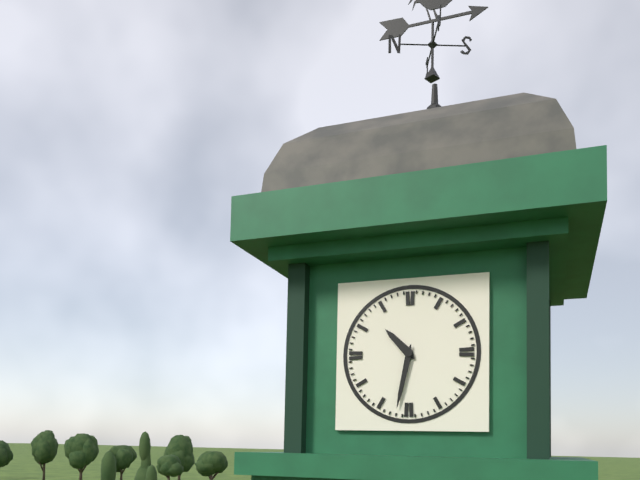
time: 10:32
